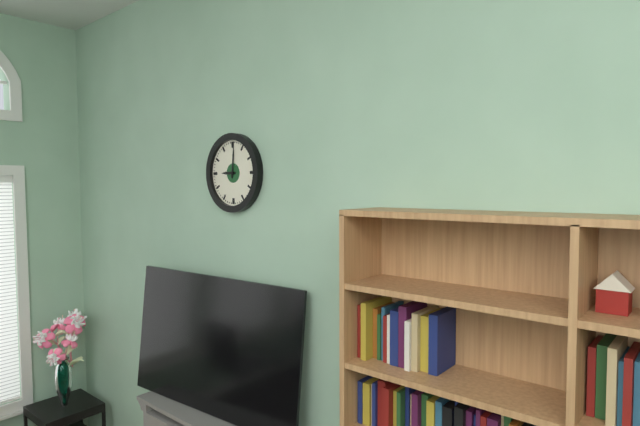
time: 9:01
